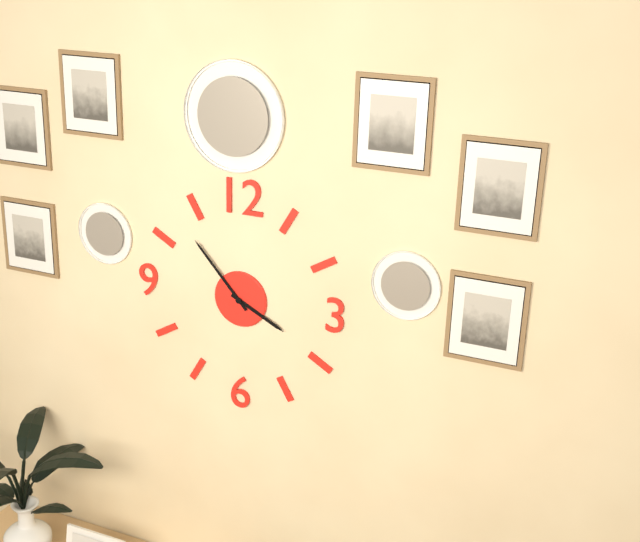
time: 3:53
